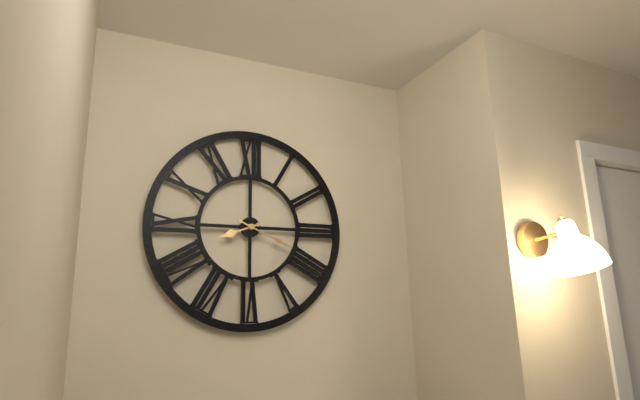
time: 8:19
